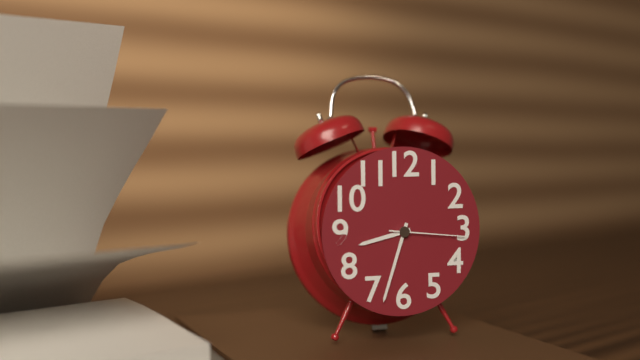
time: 8:33:16
